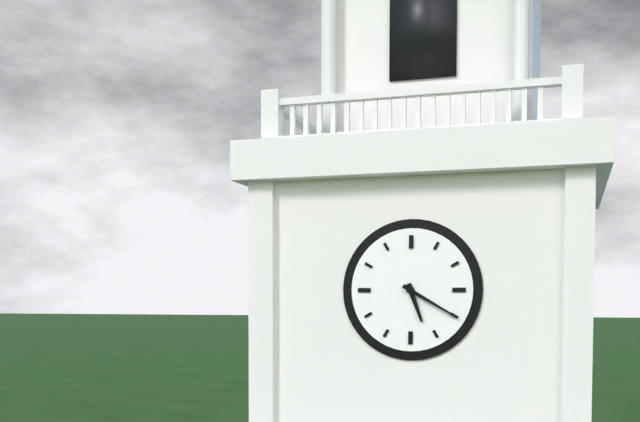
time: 5:20
